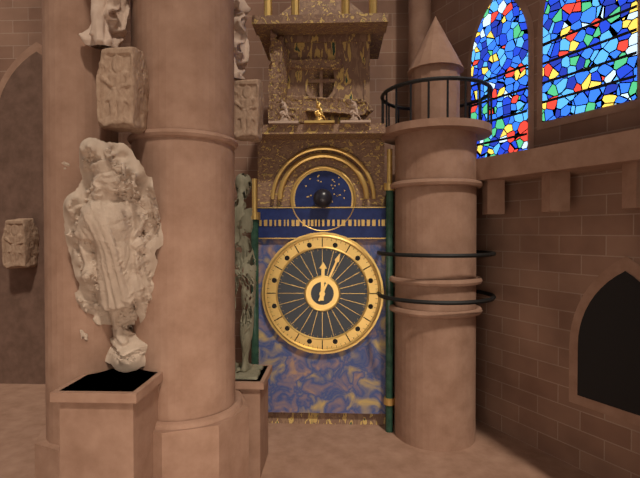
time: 12:04
